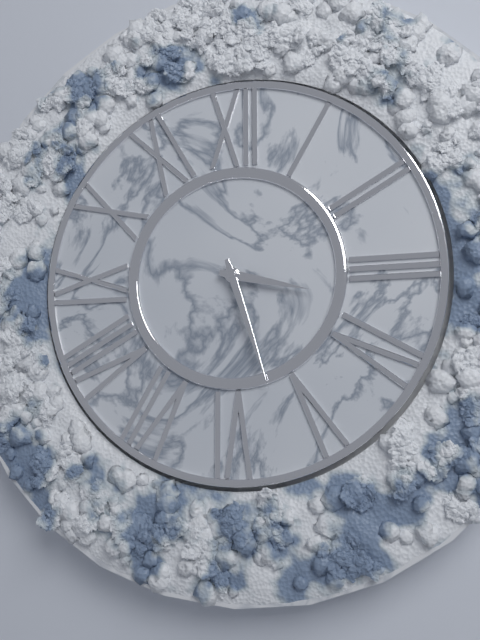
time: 3:27
